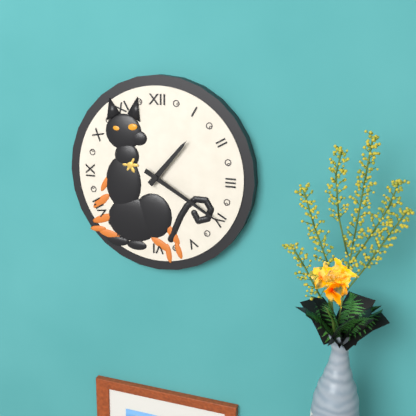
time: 1:20
